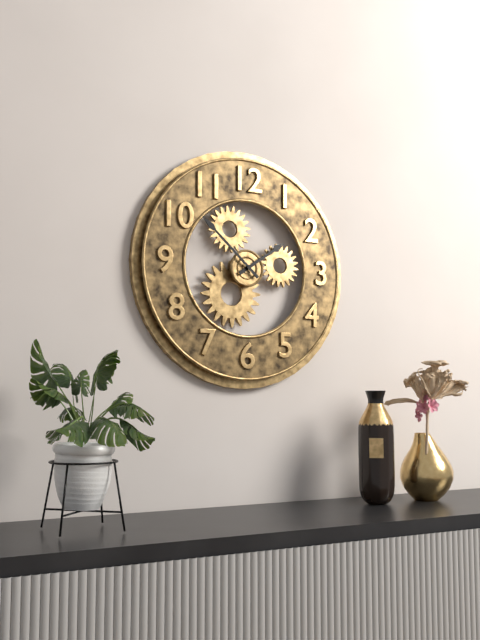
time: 1:52
